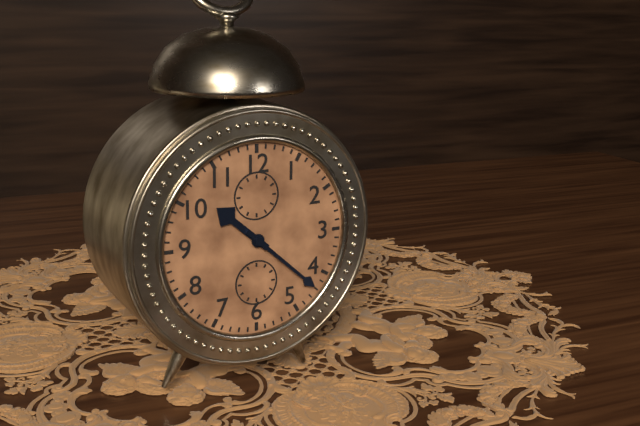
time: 10:22
